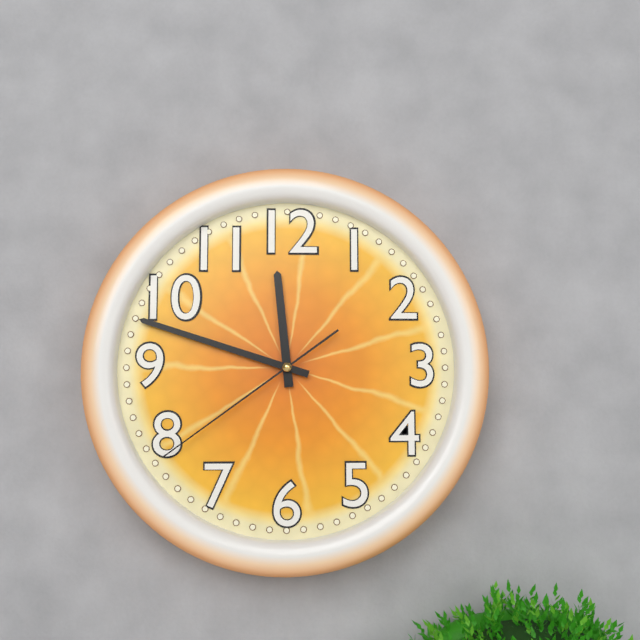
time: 11:48:39
